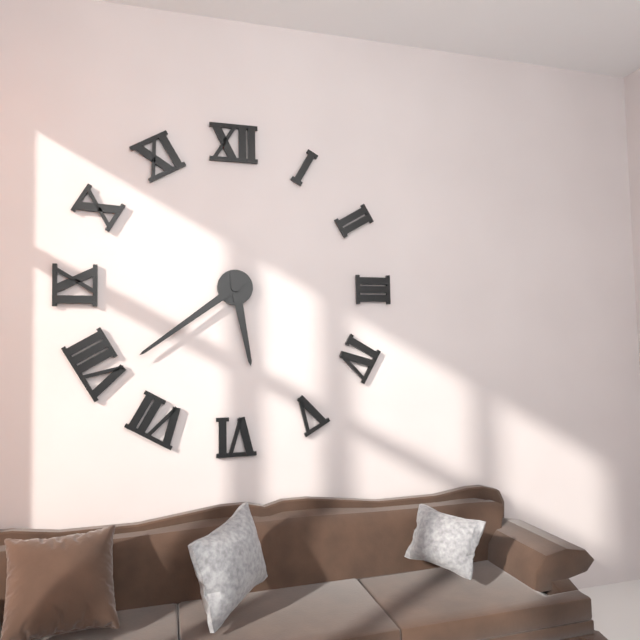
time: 5:39
